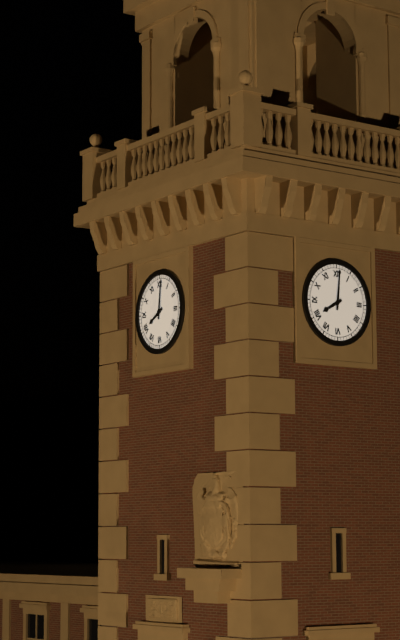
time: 8:01
